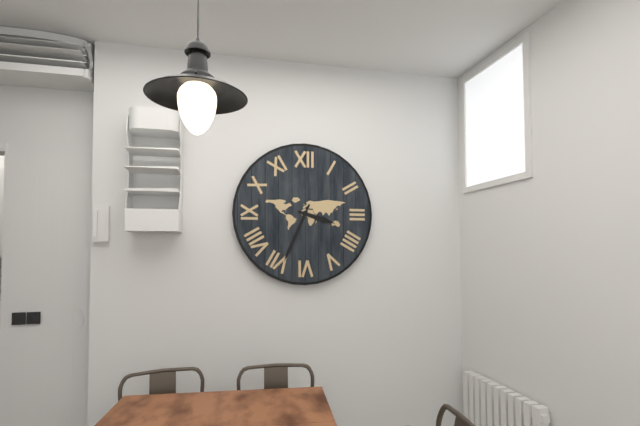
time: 3:34
